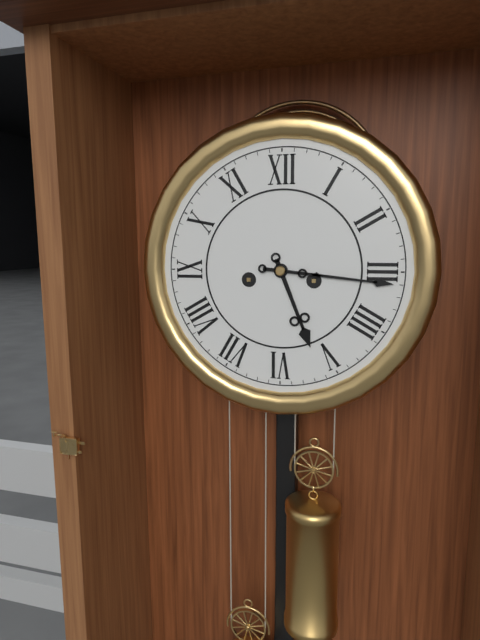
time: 5:16
